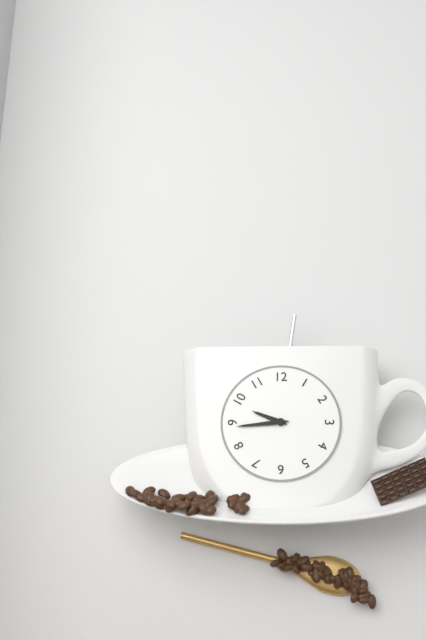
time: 9:44
